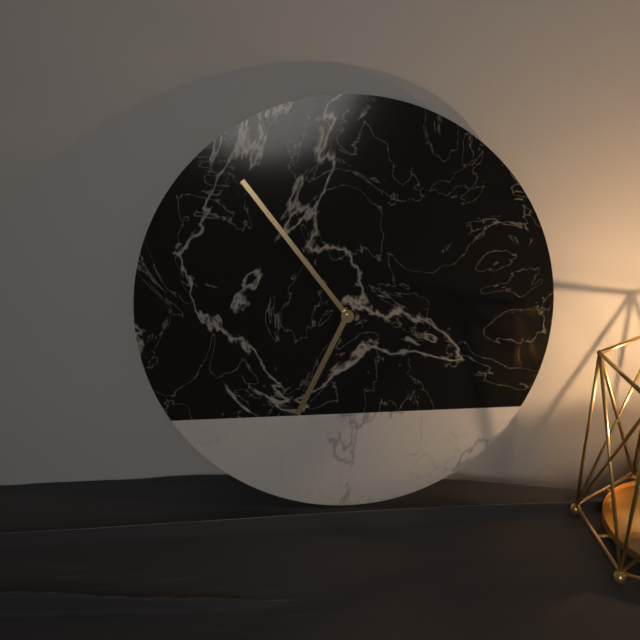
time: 6:54
